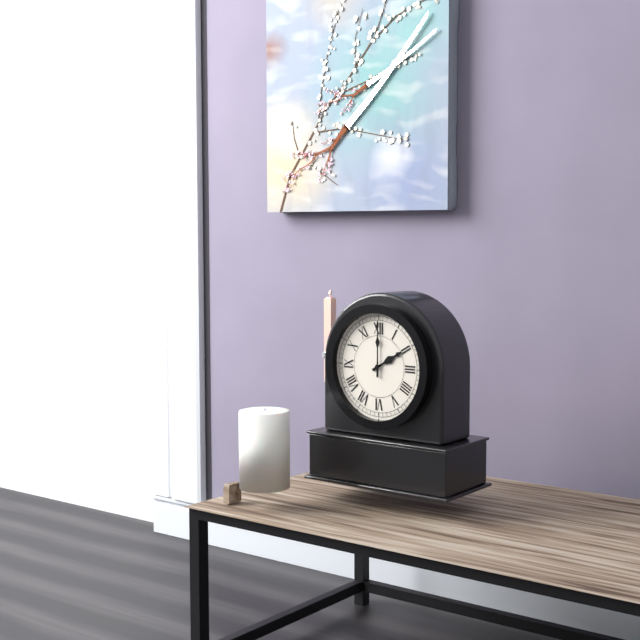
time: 2:00
